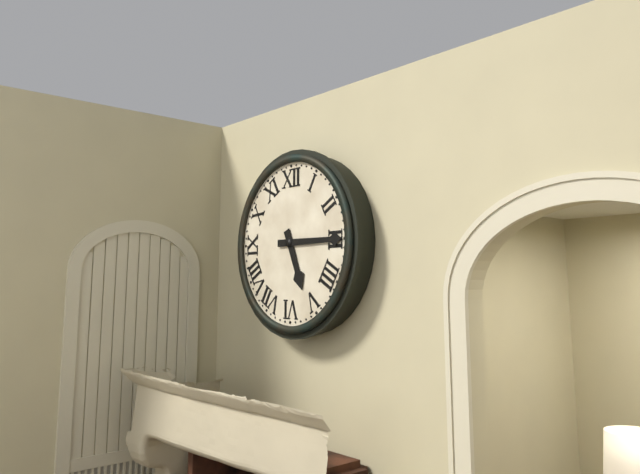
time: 5:15
